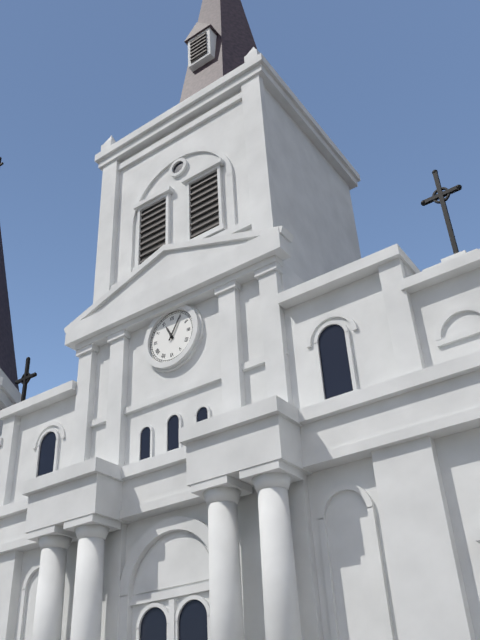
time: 11:05
